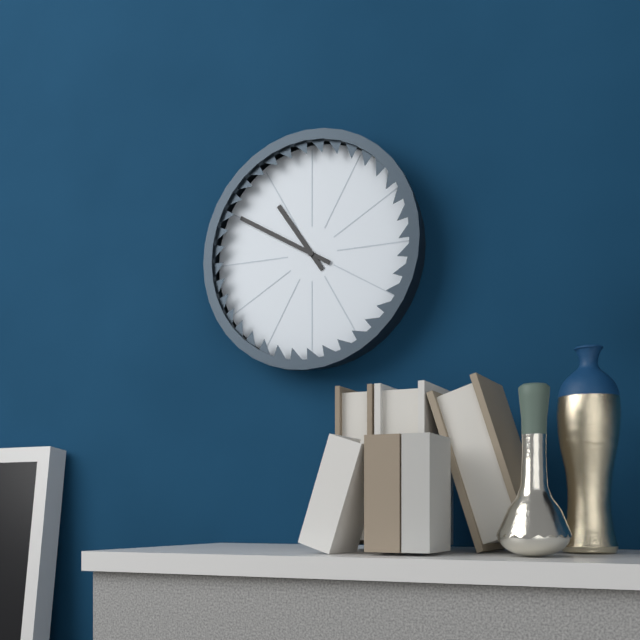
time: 10:50
